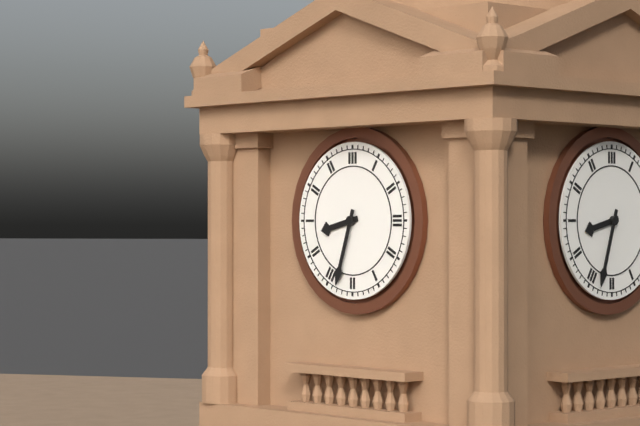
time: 8:33
